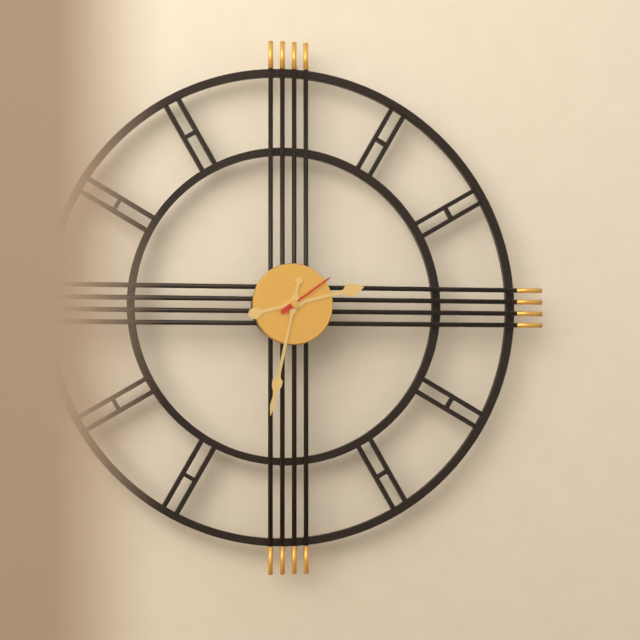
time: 2:32:09
